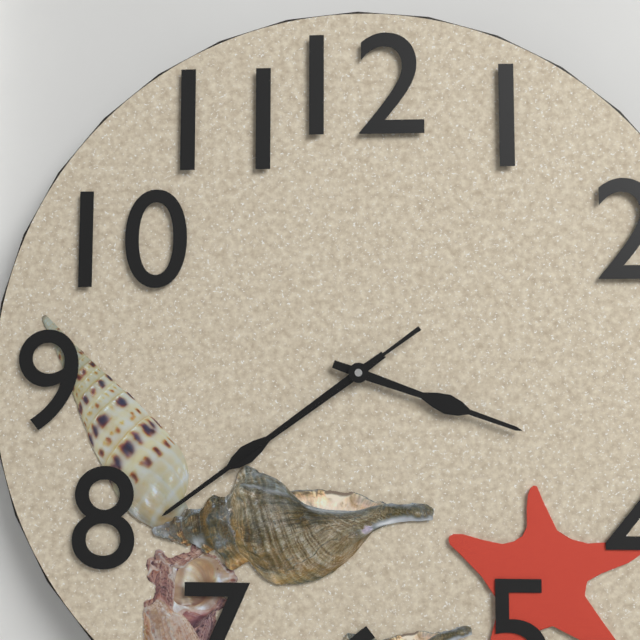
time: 3:39:39
